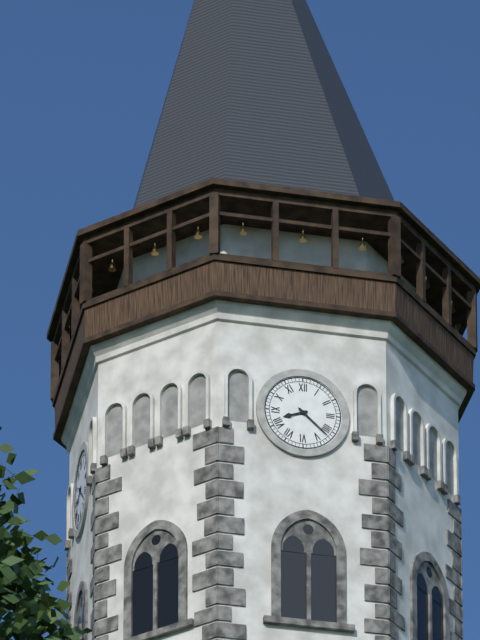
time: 8:22
